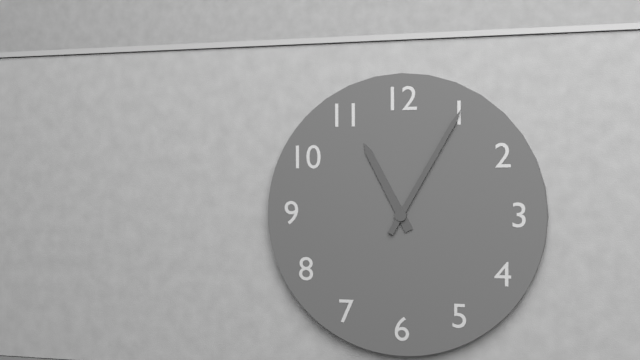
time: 11:05
